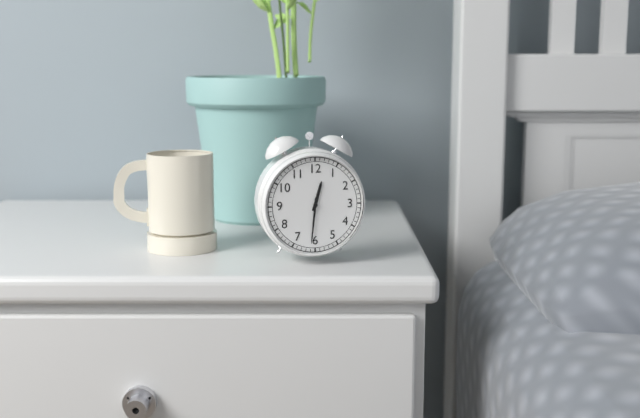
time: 12:31
